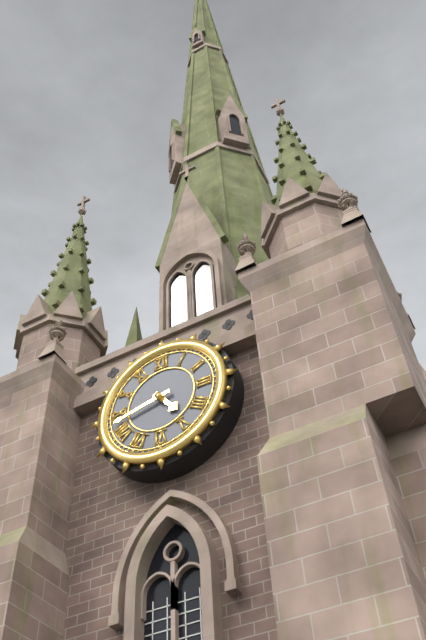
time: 4:43
